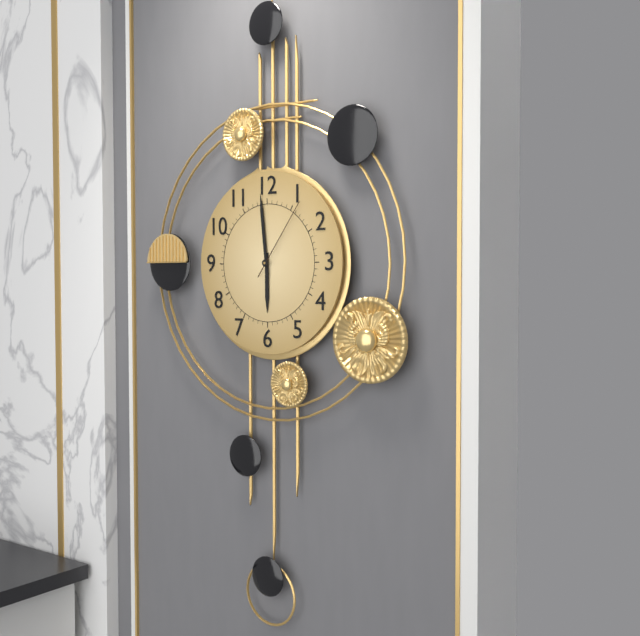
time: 5:59:06
